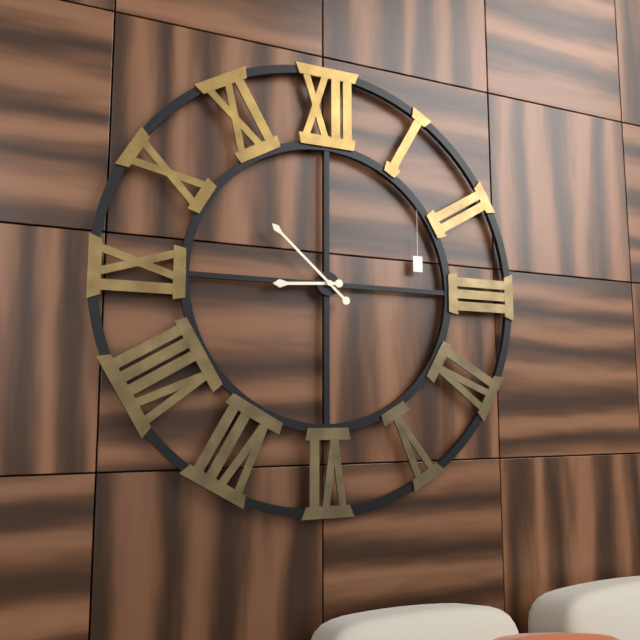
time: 8:52
